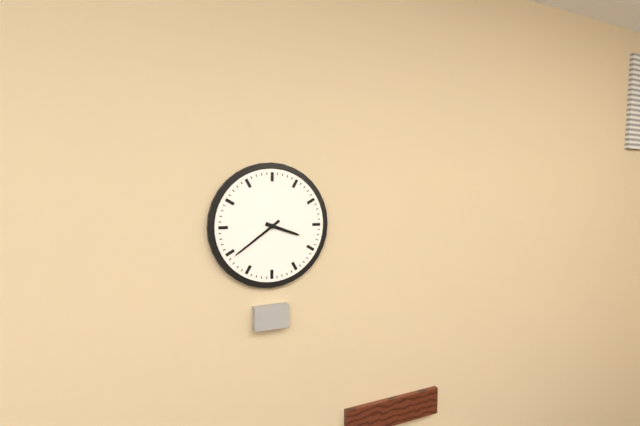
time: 3:39
